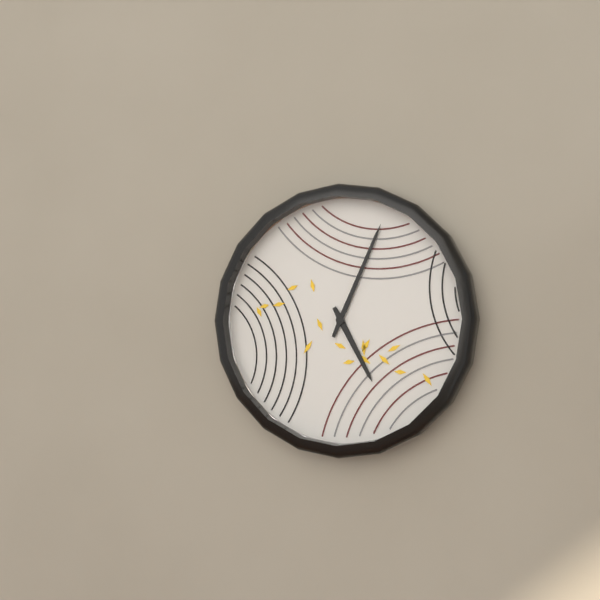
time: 5:04
